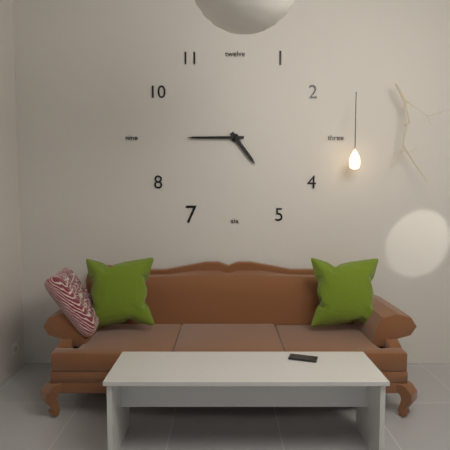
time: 4:45
